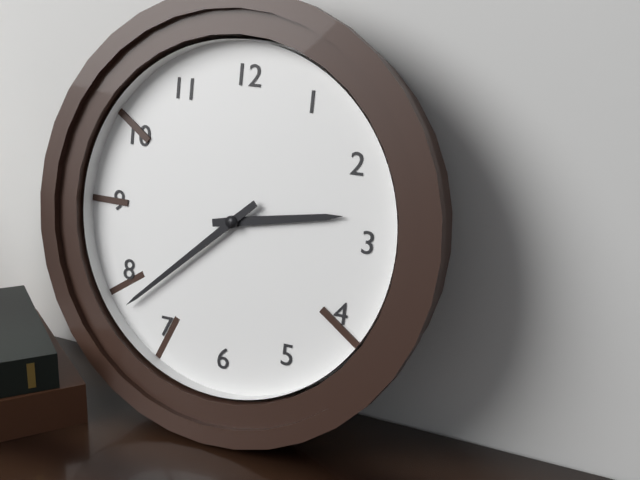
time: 2:38
